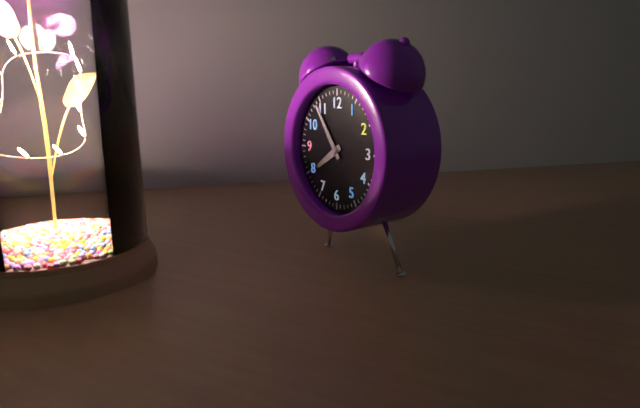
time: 7:54
